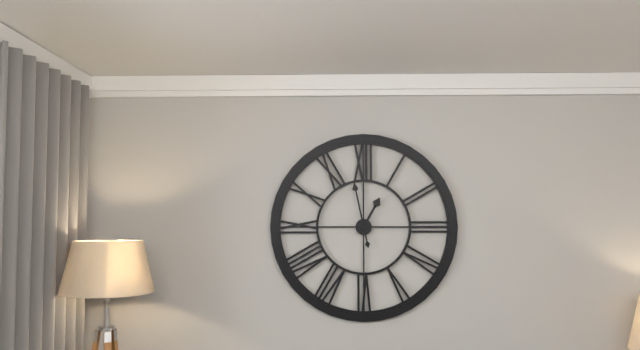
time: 12:58
